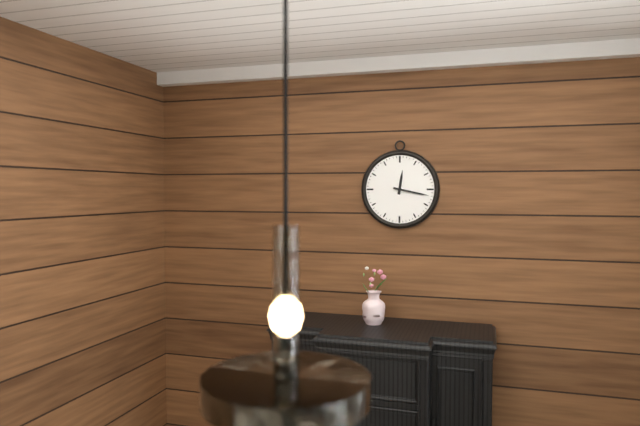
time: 12:17
